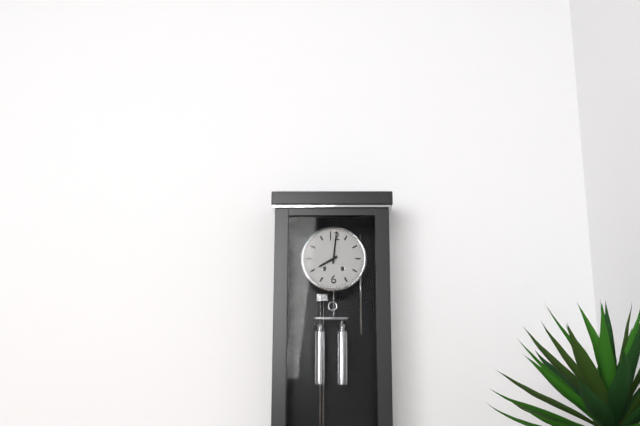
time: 8:01
